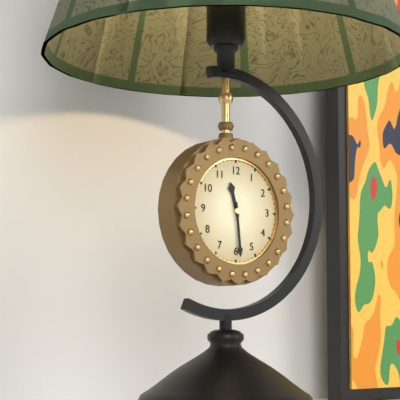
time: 11:29
